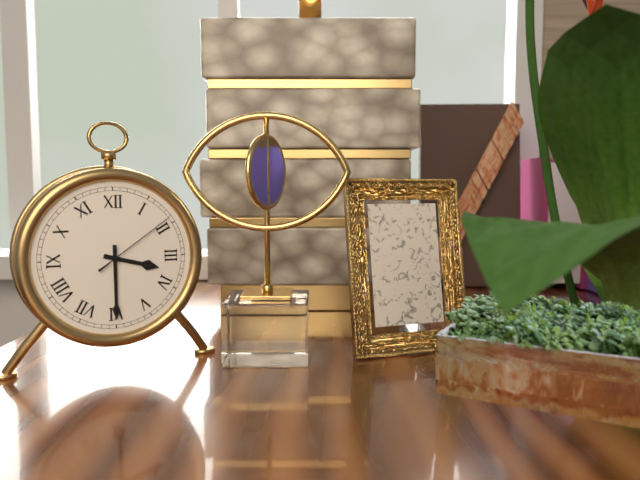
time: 3:30:09
